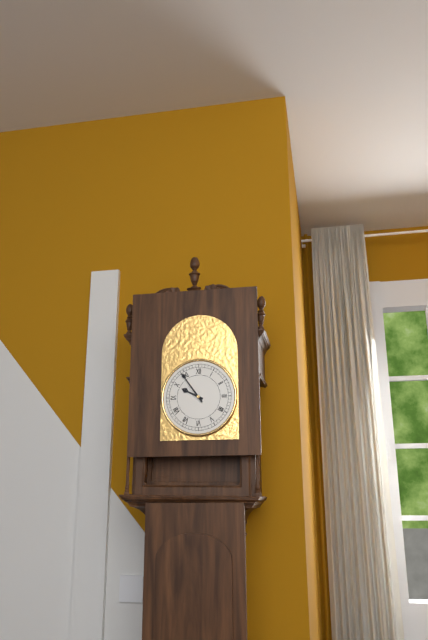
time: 9:54
